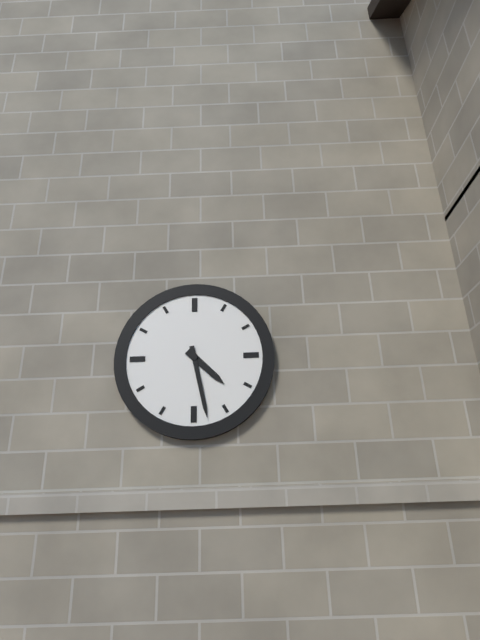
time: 4:28
